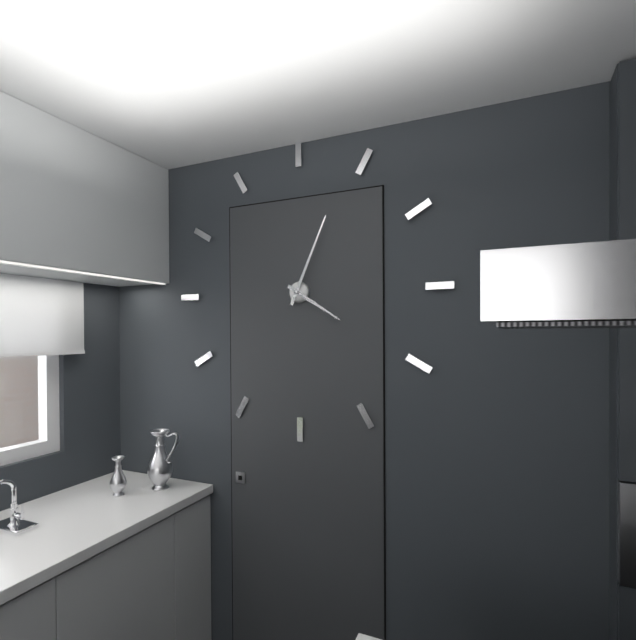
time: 4:04
